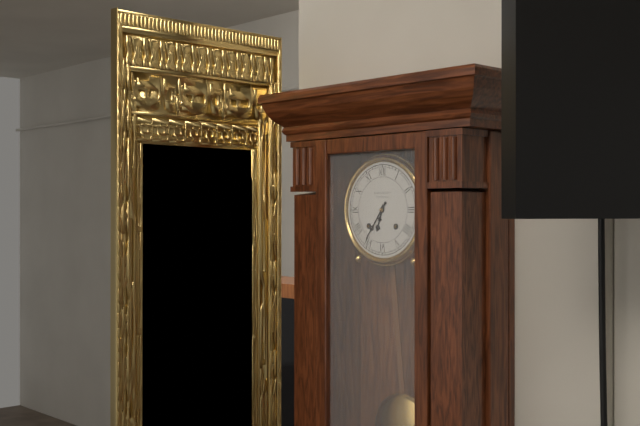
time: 6:36
